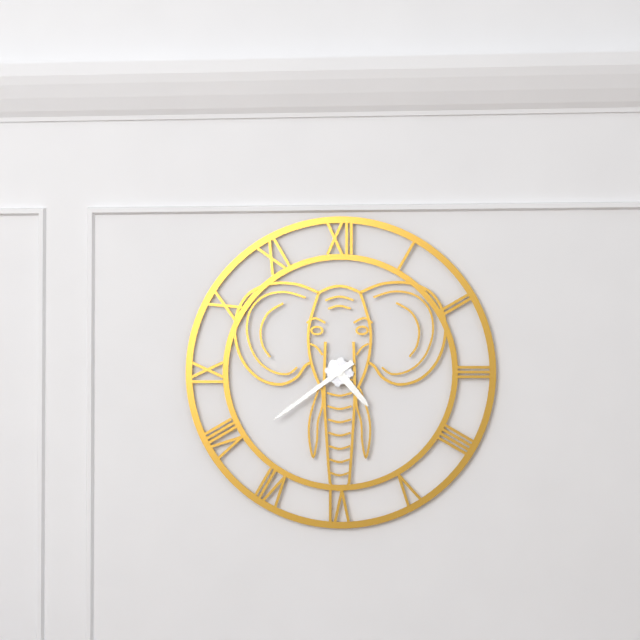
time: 4:39
